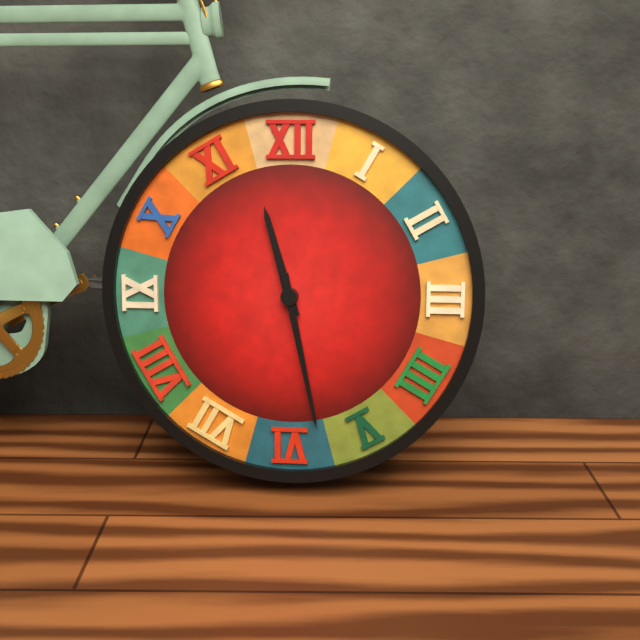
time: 11:28
